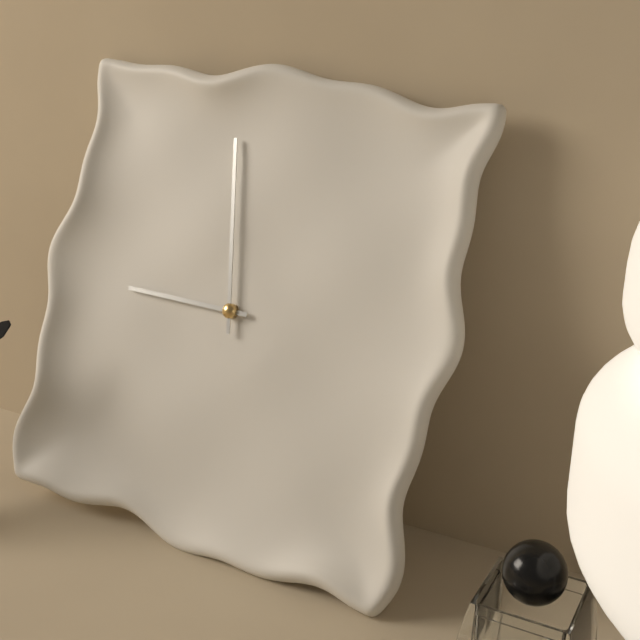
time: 8:58
